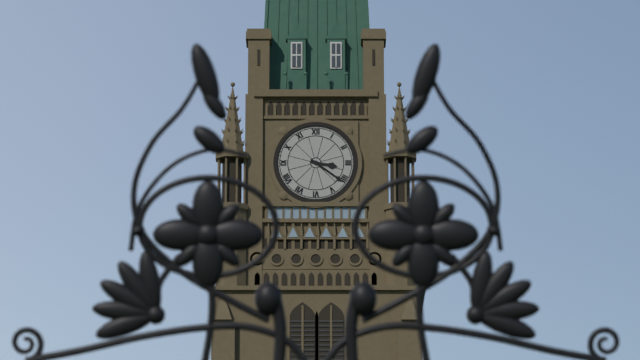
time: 3:21
